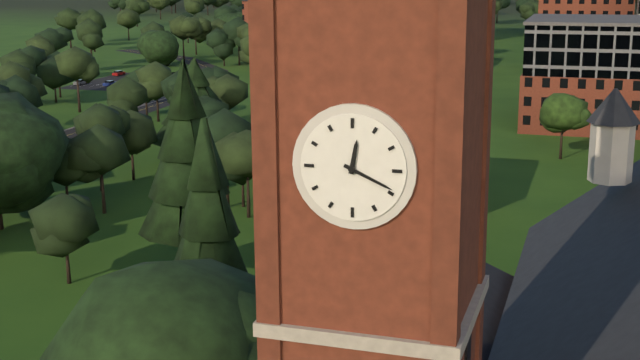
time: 12:19
